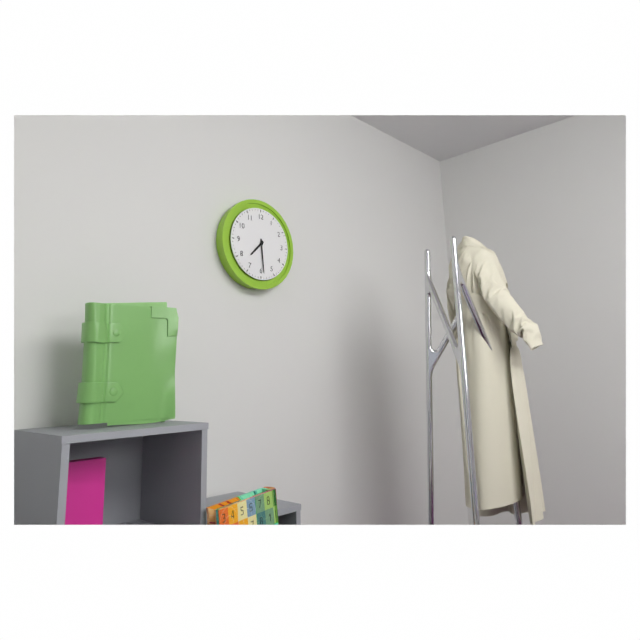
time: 7:29
